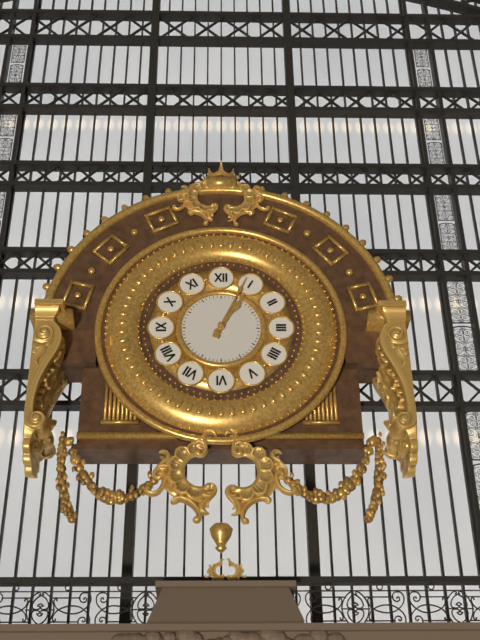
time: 1:04
